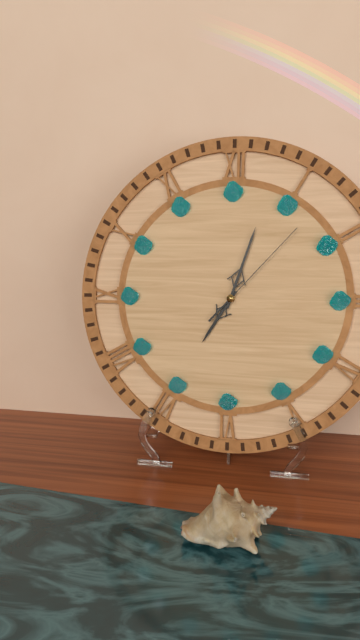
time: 7:03:07
